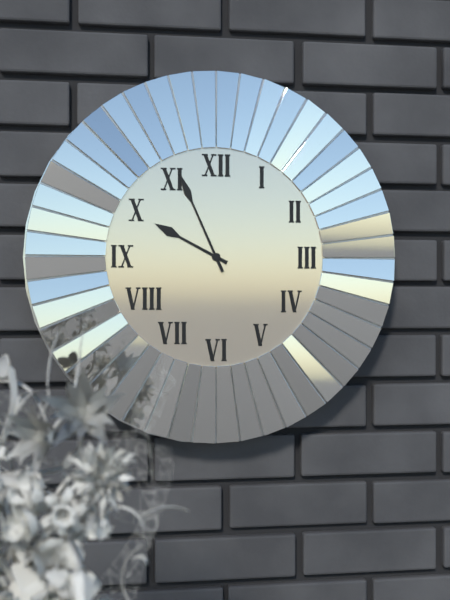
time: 9:56
